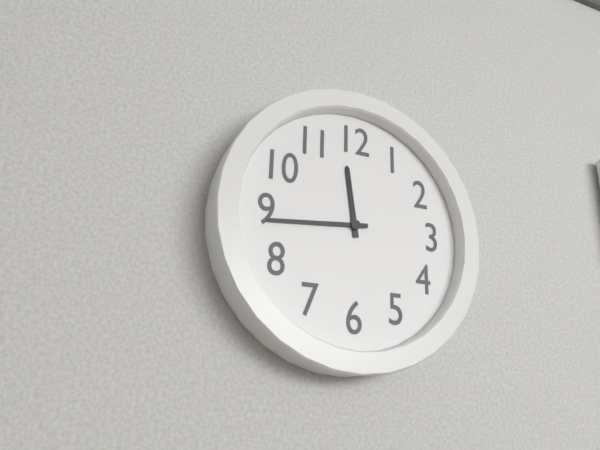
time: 11:44
